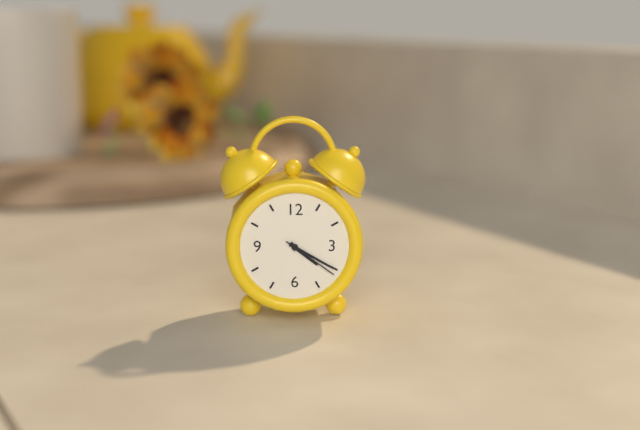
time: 4:20:21
